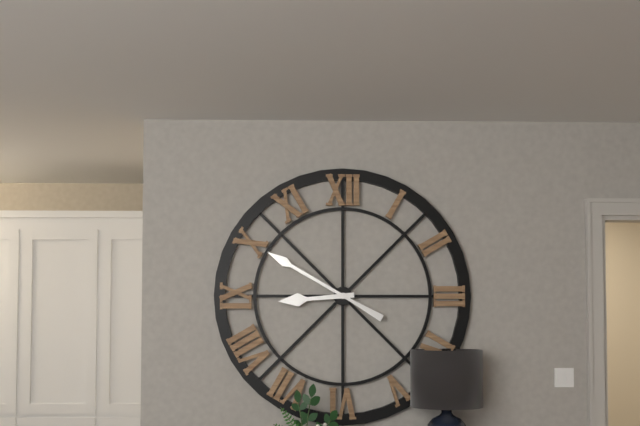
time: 8:50
